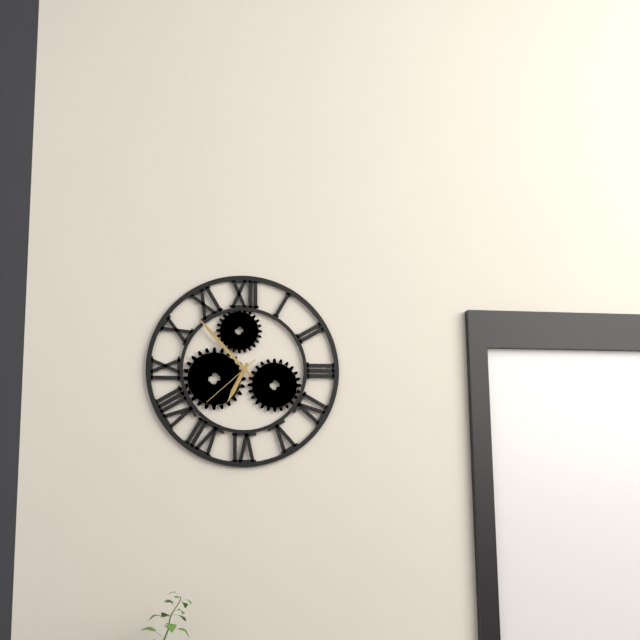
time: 6:53:38
